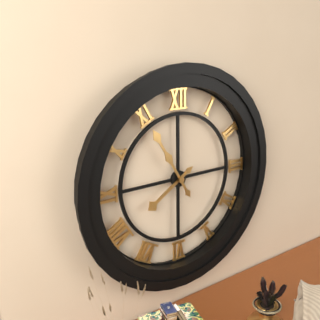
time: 7:55
